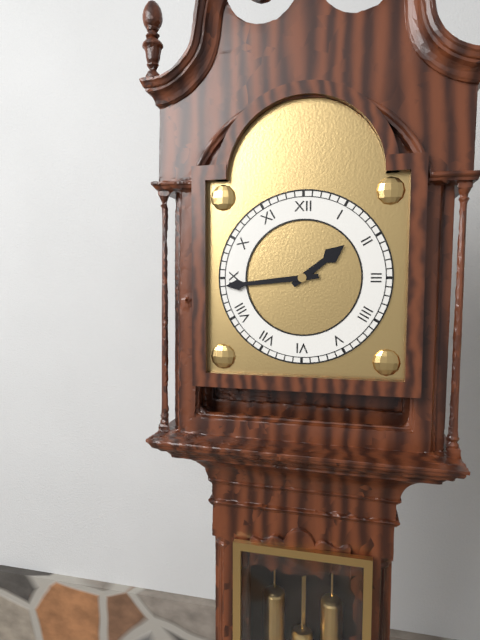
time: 1:44
